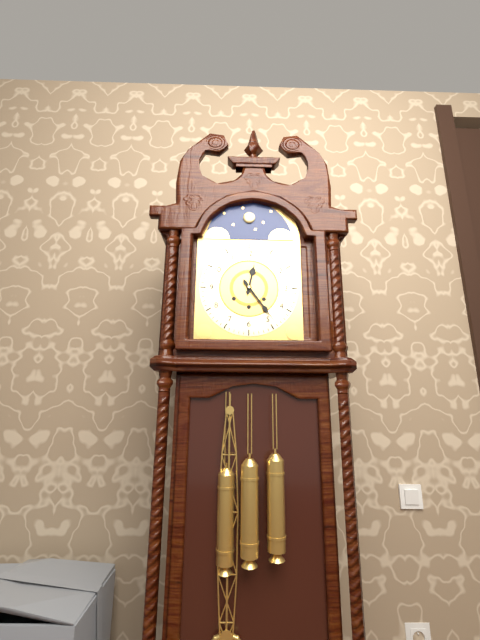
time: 12:24
